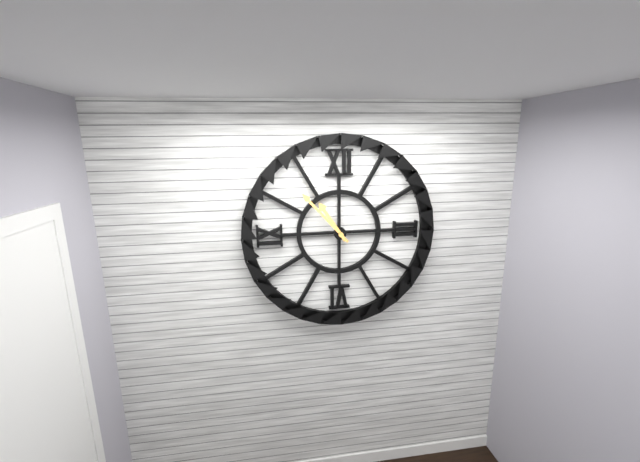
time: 10:53
